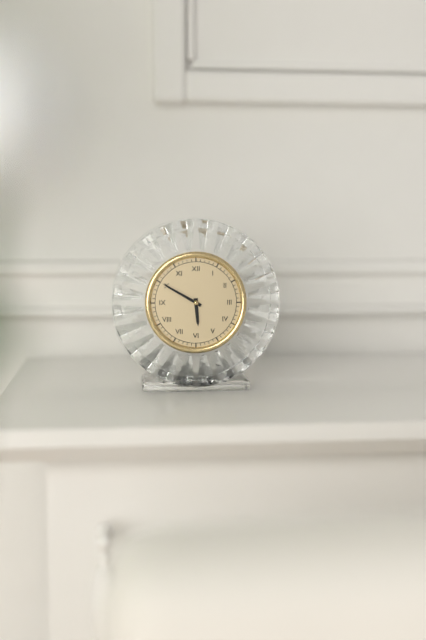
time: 5:50
